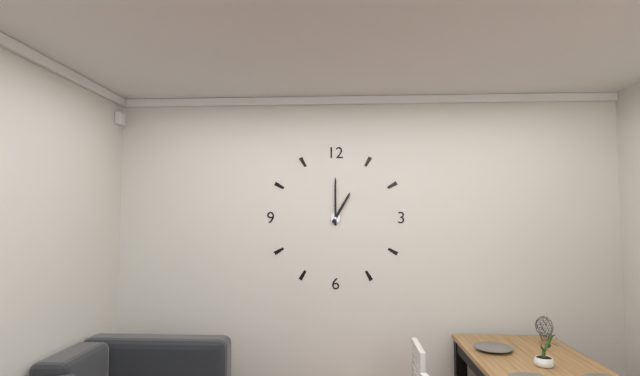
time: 1:00
